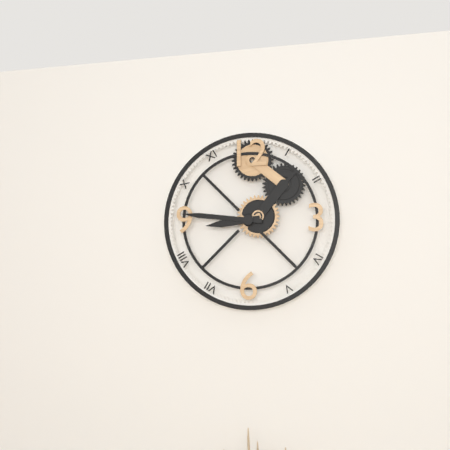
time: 8:46
